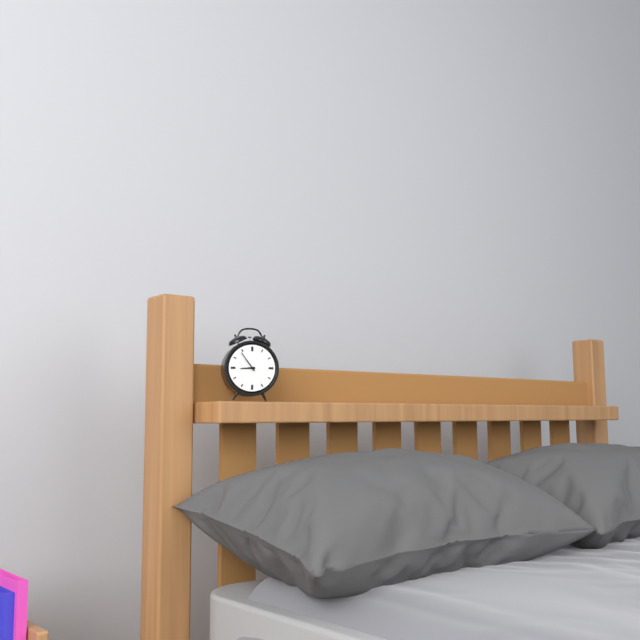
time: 8:54
